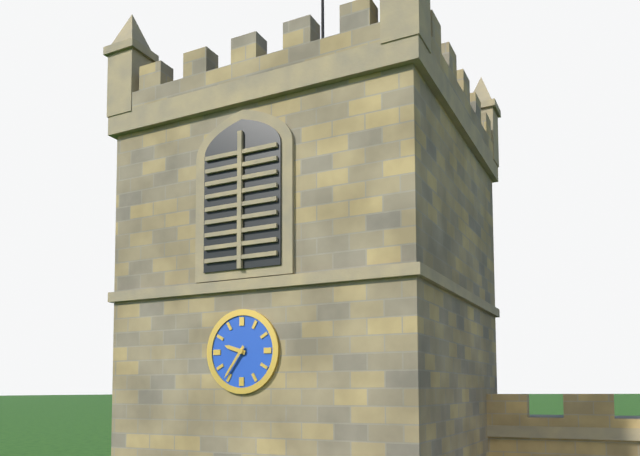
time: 9:36
